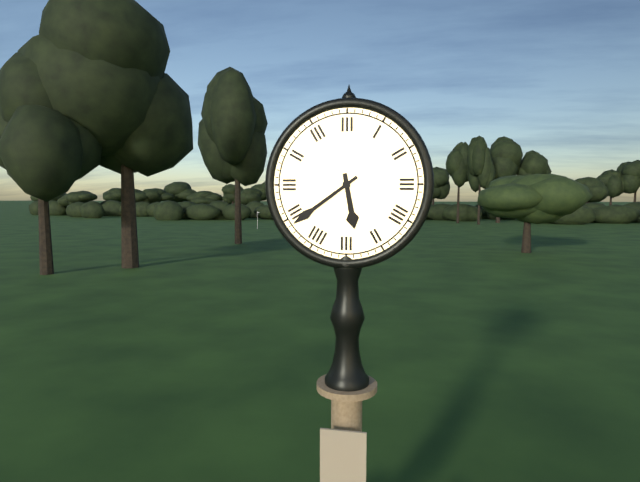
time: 5:39
